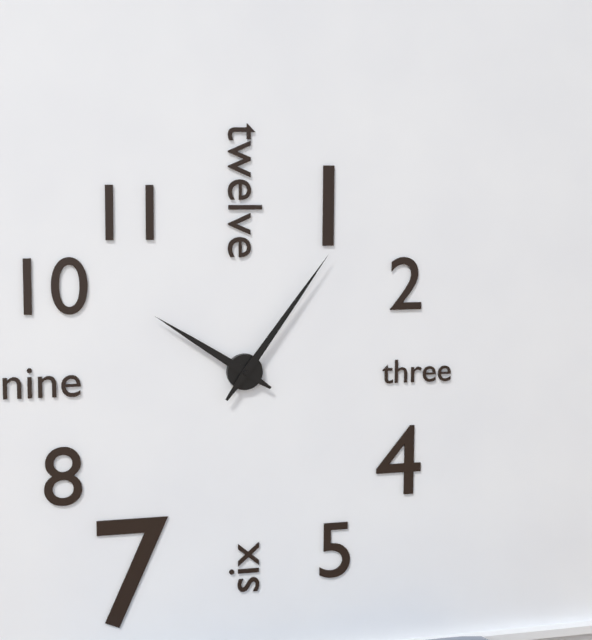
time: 10:06
